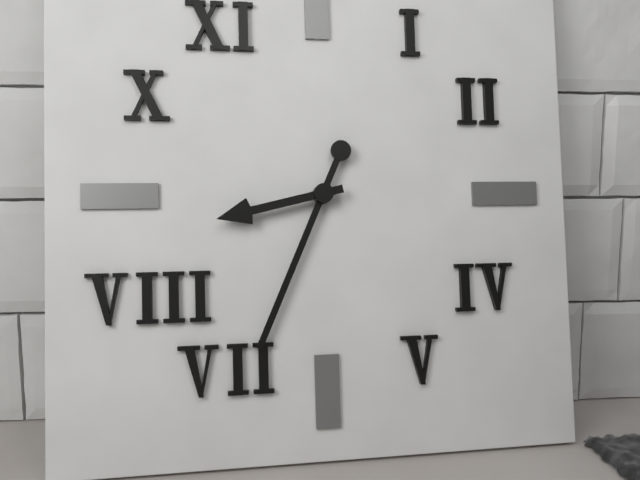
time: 8:34
